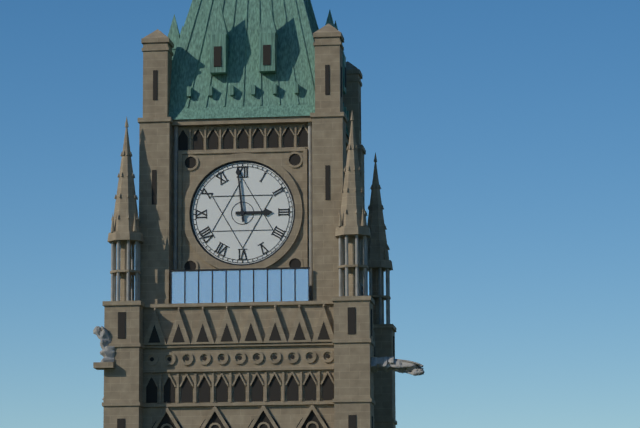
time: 2:59
